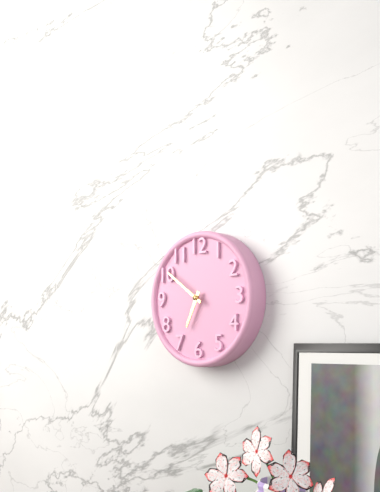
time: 6:51
